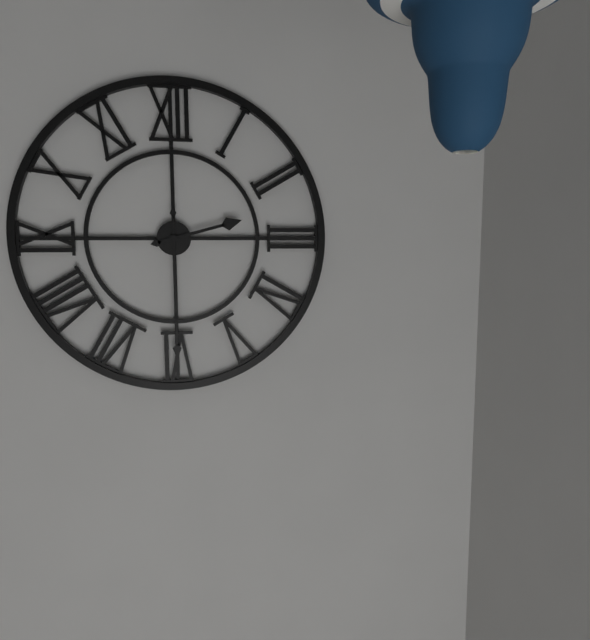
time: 2:30
